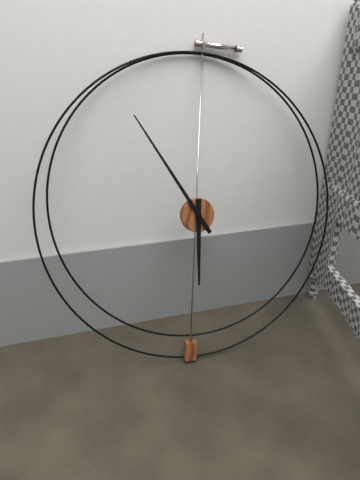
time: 5:54
